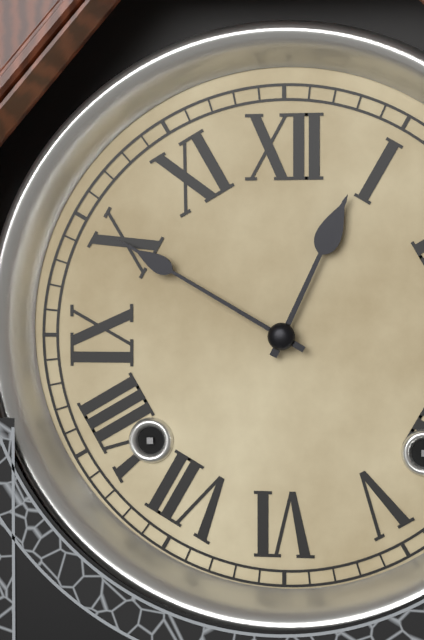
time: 12:50
